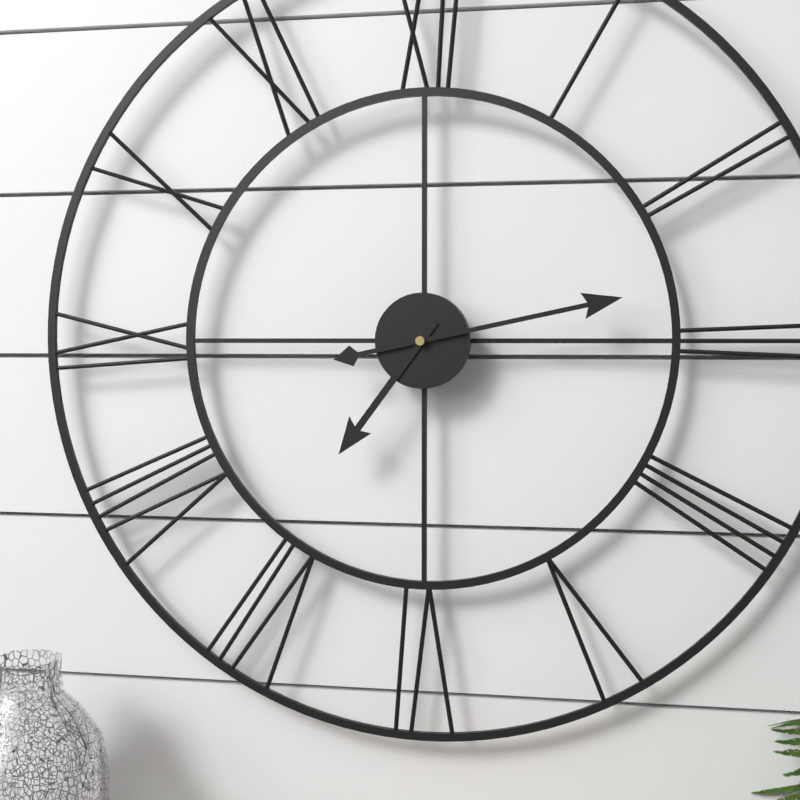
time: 7:13
